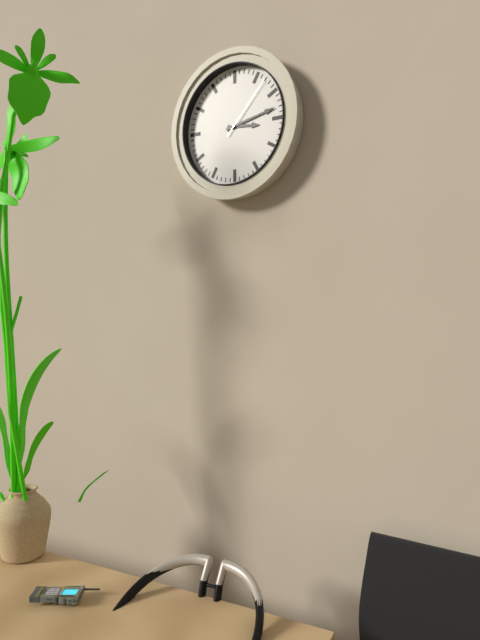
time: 3:13:07
